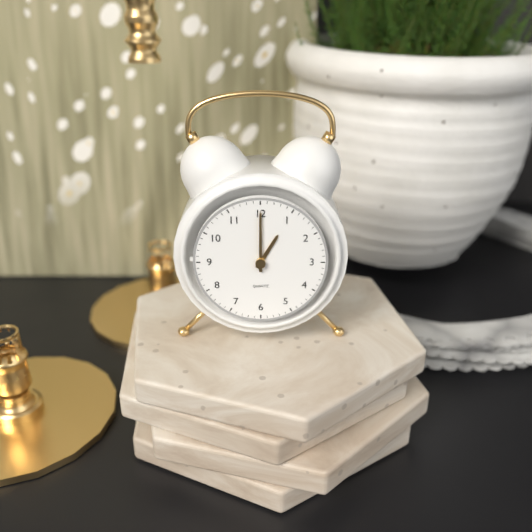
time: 1:00
